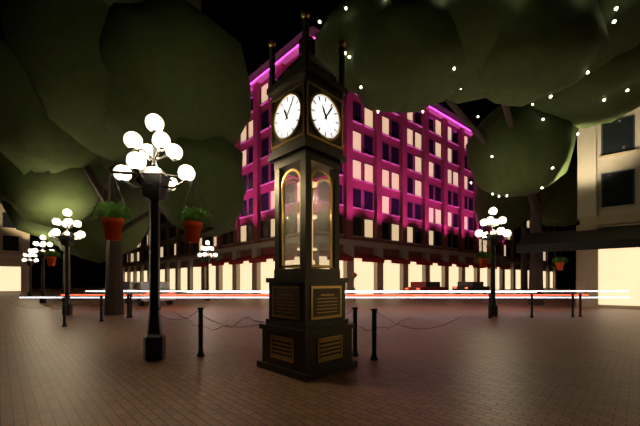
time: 11:06
